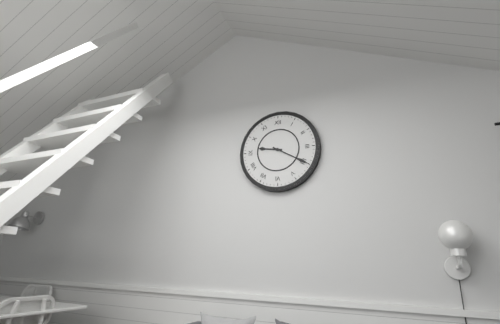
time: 9:20
